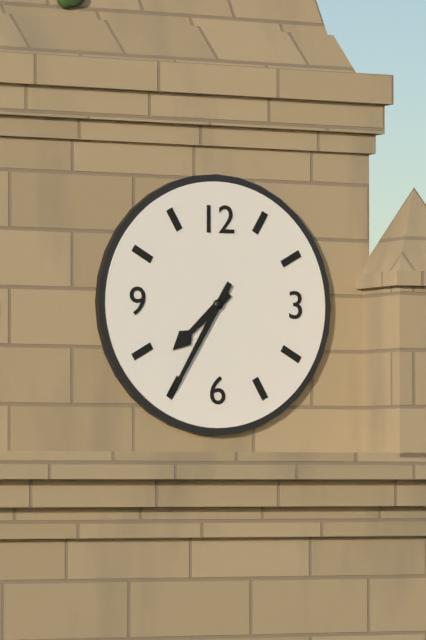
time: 7:35
